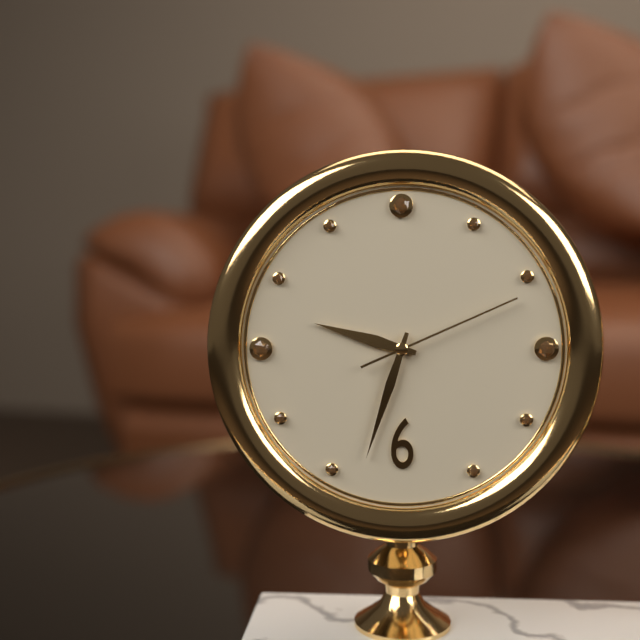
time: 9:33:11
